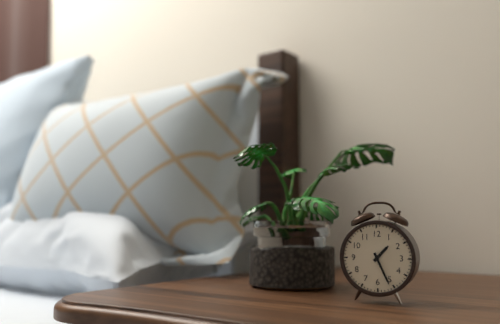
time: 1:26
